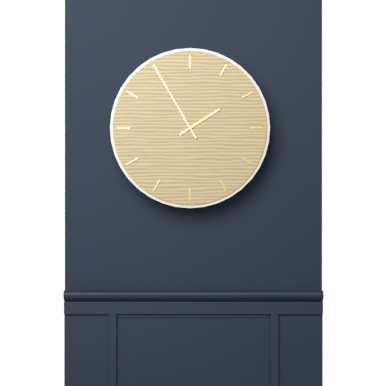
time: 1:55
